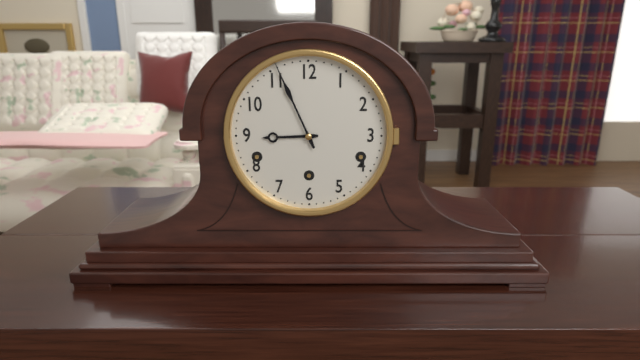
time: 8:56
